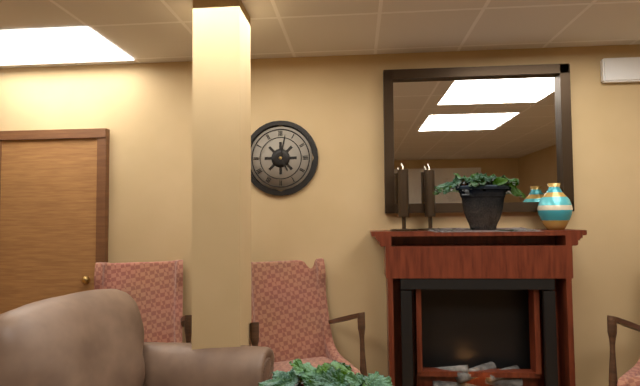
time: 5:02
